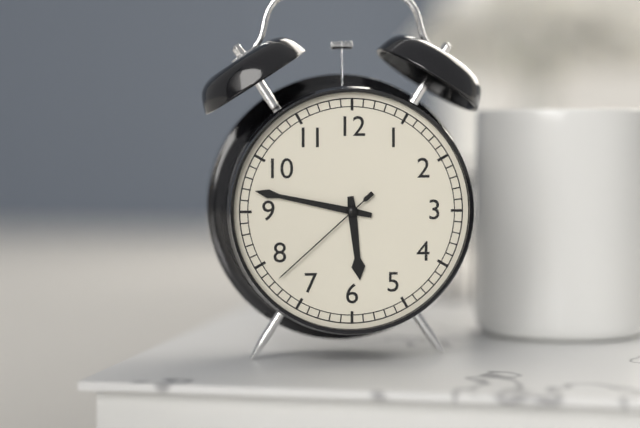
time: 5:47:38
